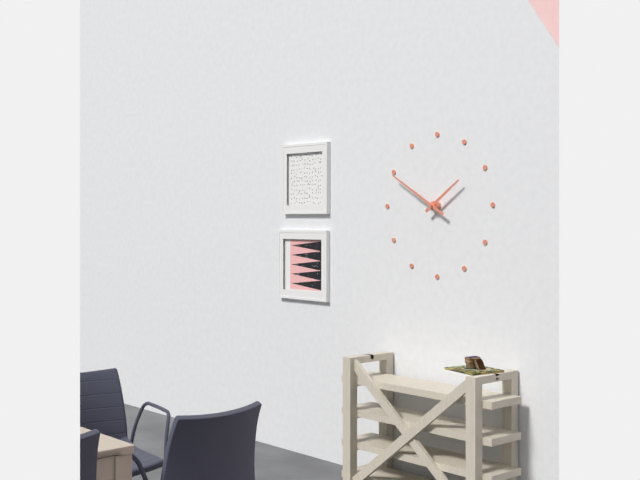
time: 1:50
